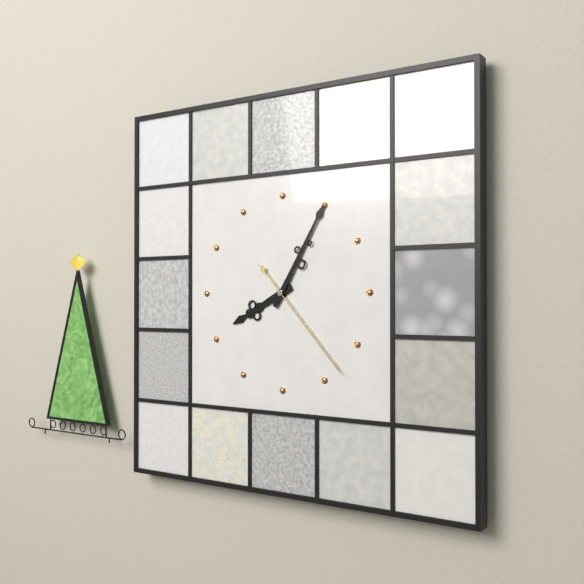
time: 8:05:23
